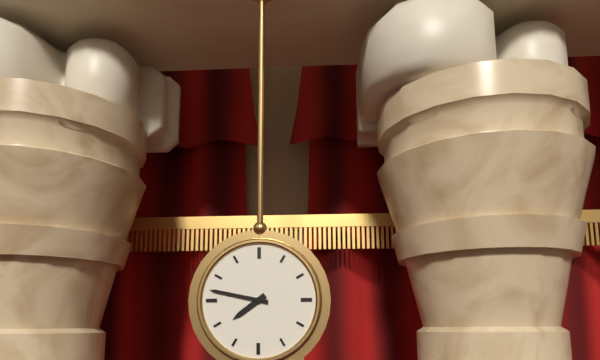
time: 7:47
